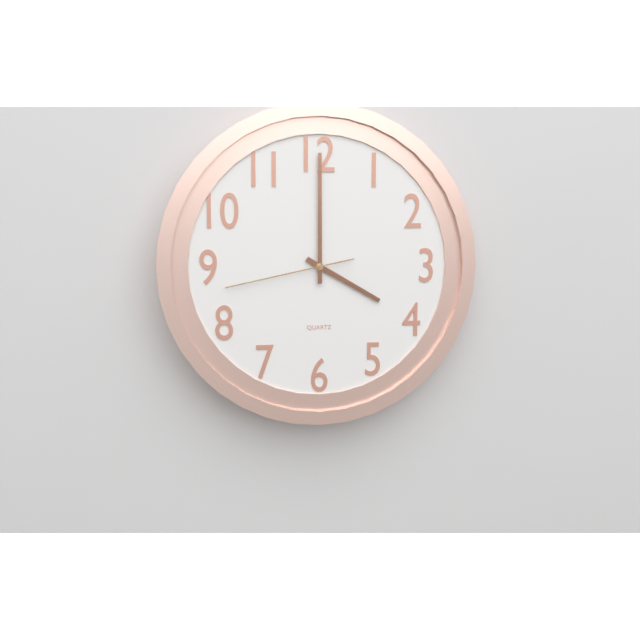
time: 4:00:43
